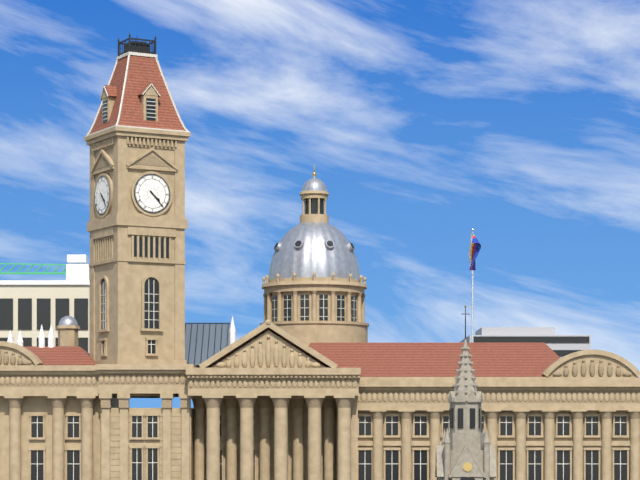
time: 4:23
